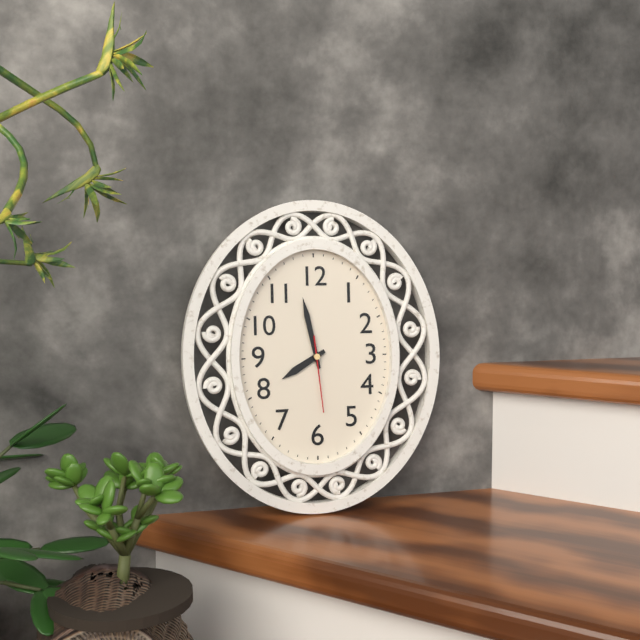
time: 7:58:29
